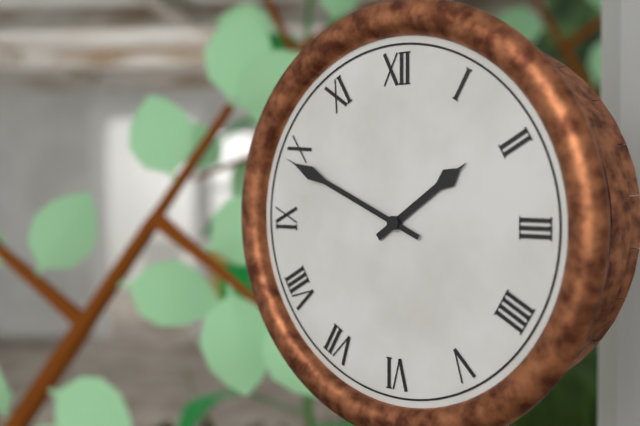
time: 1:49
